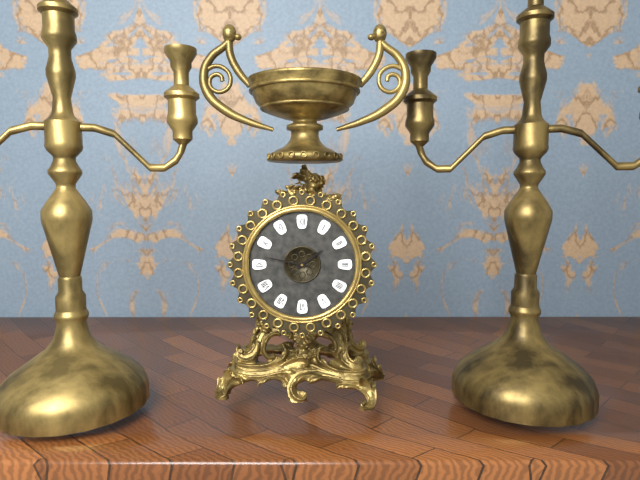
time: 1:47
